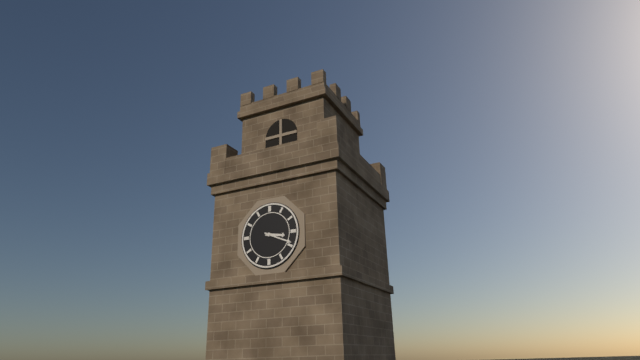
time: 3:19
